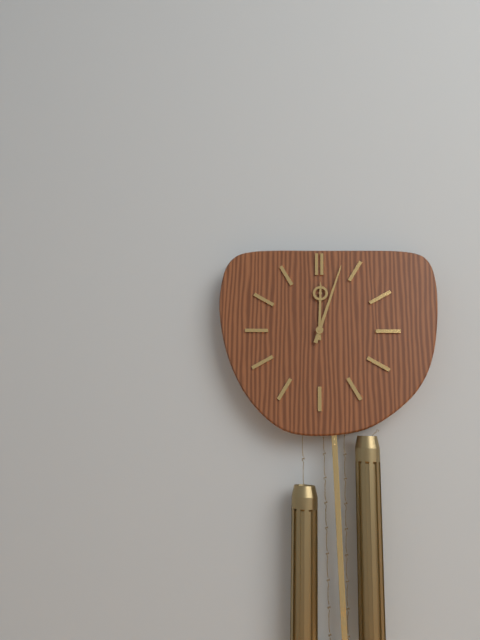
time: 12:03
